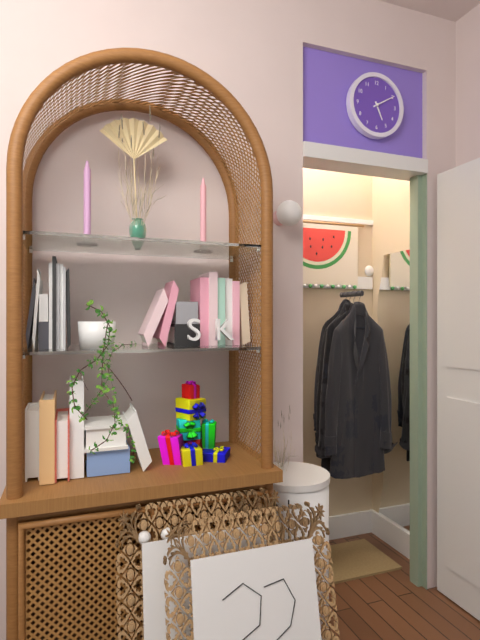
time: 5:10
